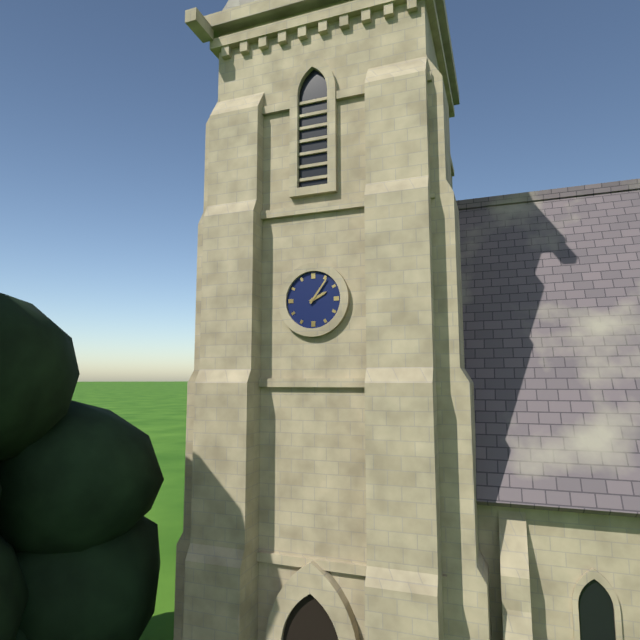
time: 2:06
